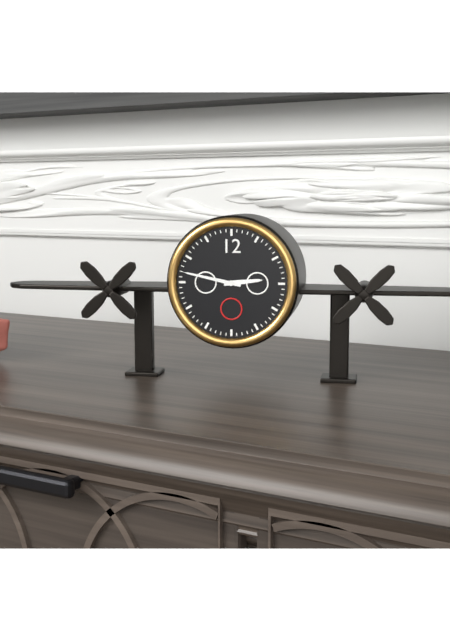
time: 2:47
